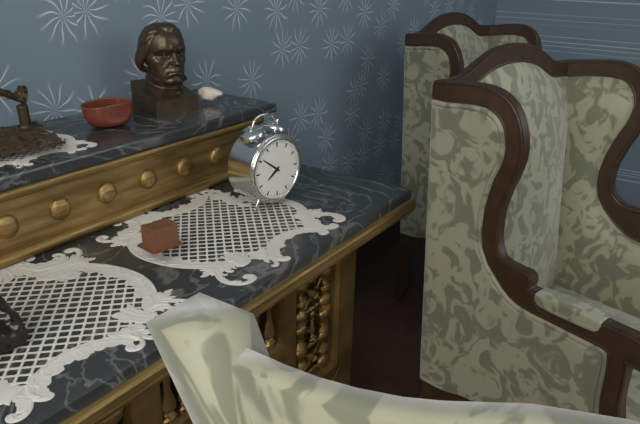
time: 7:51
